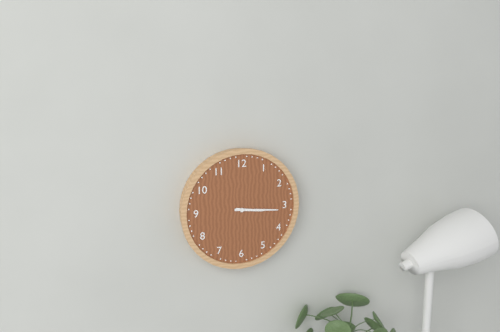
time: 3:16
